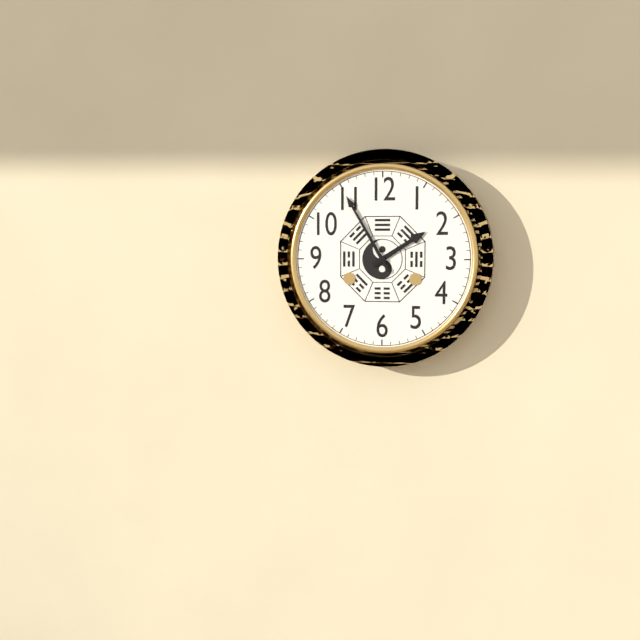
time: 1:55
